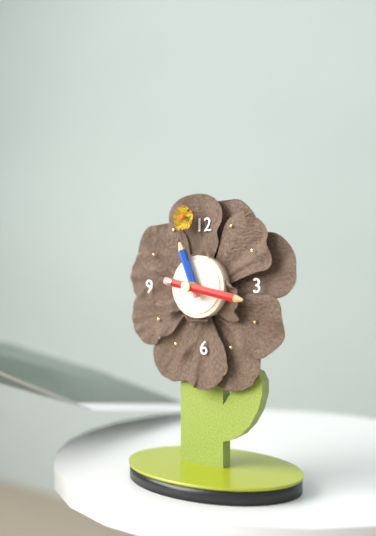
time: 11:17
